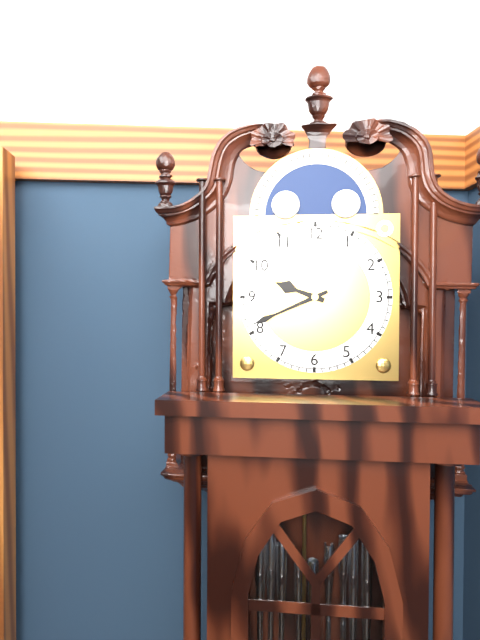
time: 9:41
